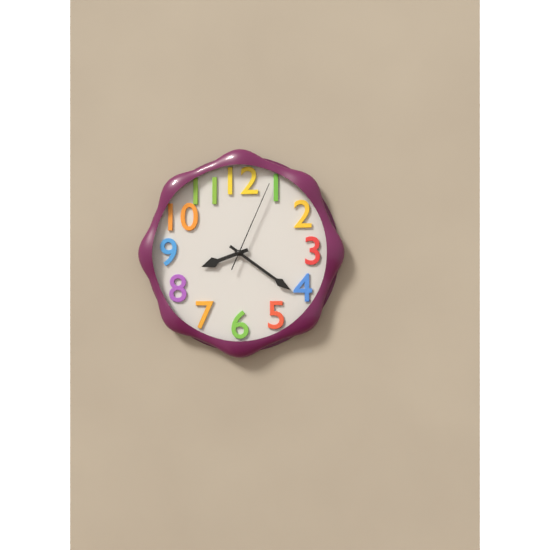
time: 8:21:04
